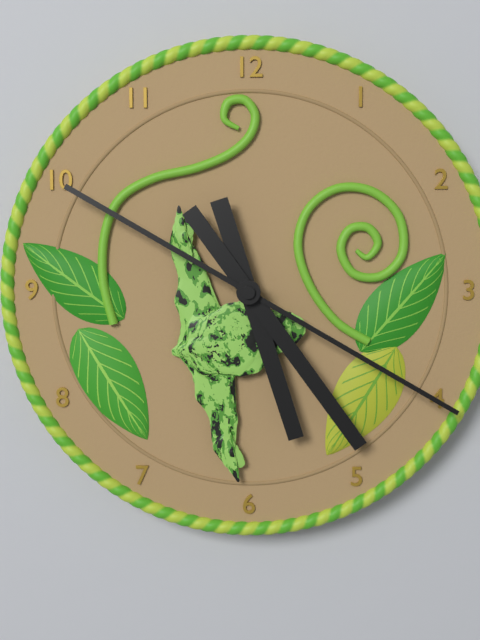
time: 5:24:20
